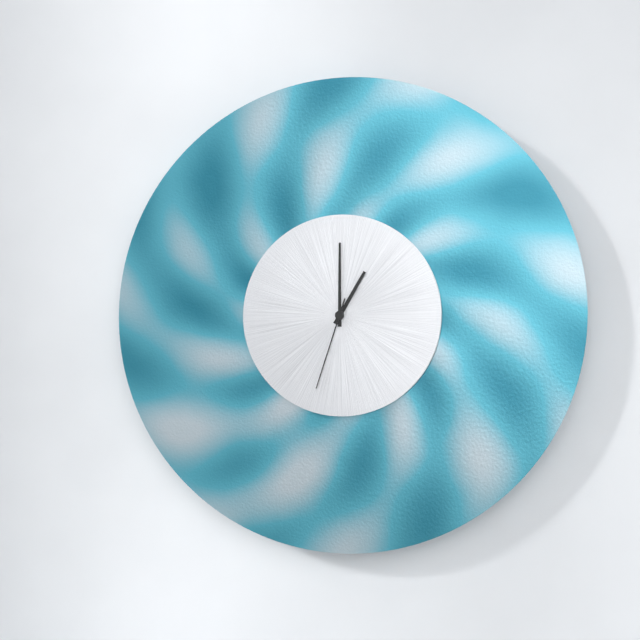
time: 1:00:33
